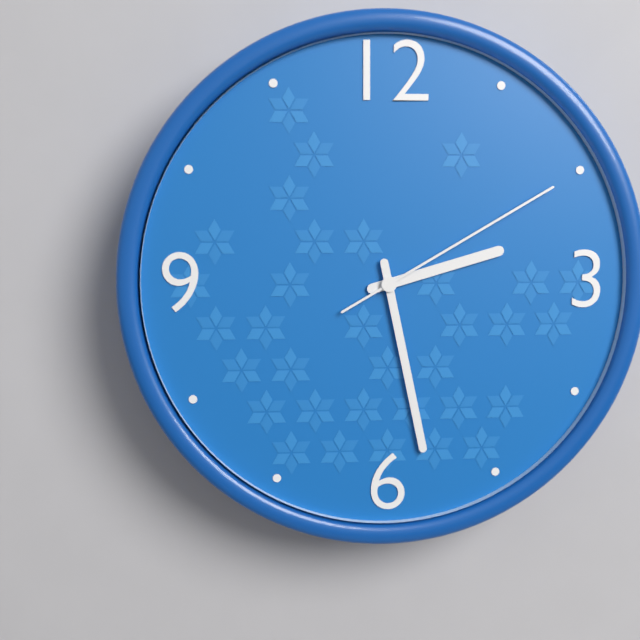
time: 2:28:10
